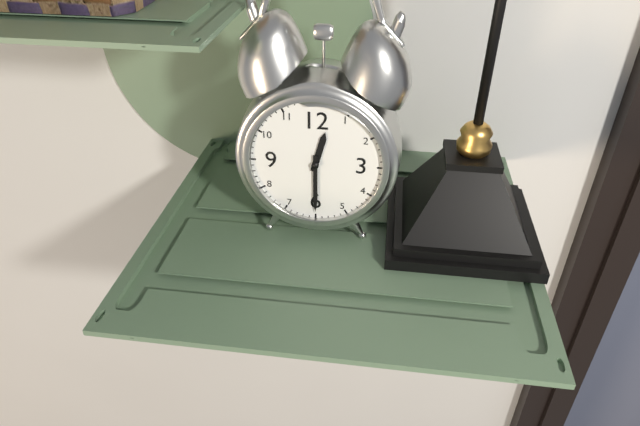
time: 12:30
